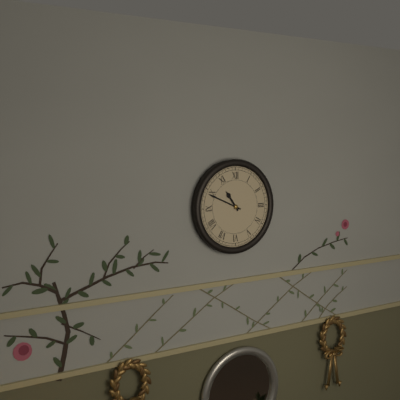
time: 10:49
